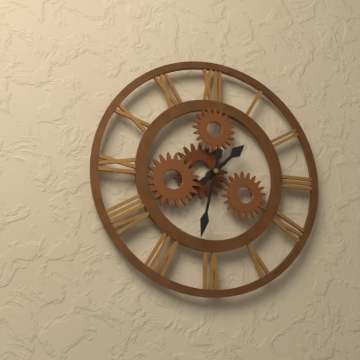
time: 1:32
